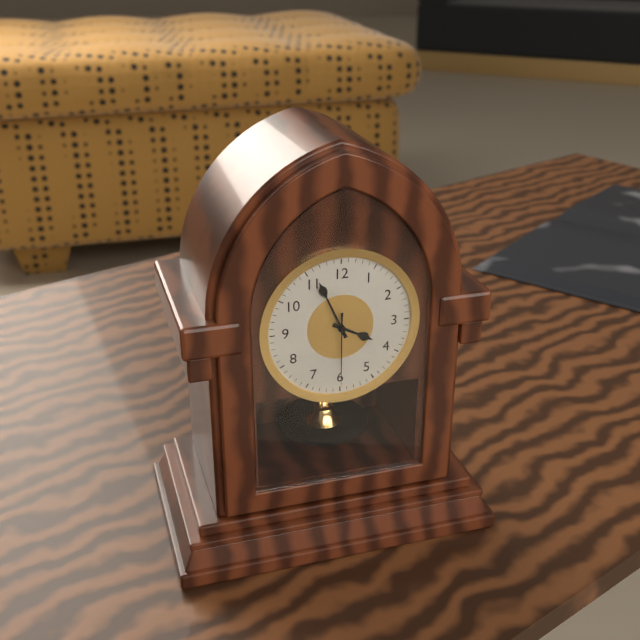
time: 3:56:30
